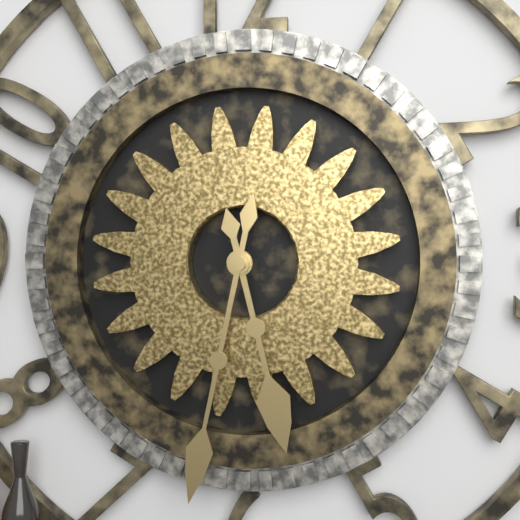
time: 5:32
